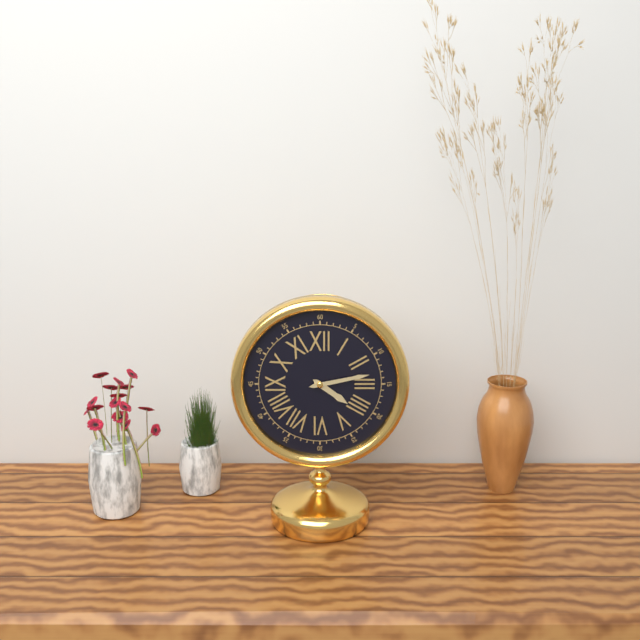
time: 4:13
